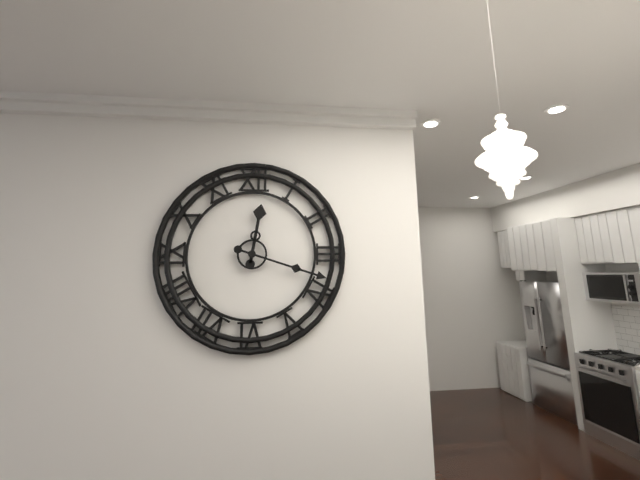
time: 12:18
